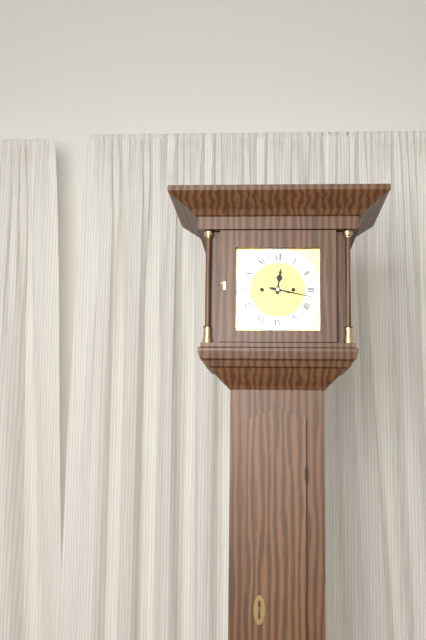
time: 12:17
